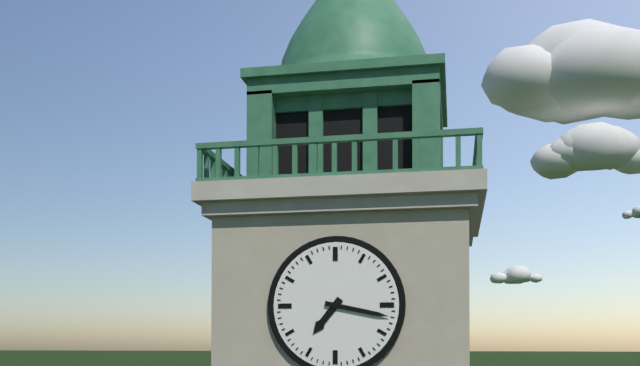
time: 7:17
